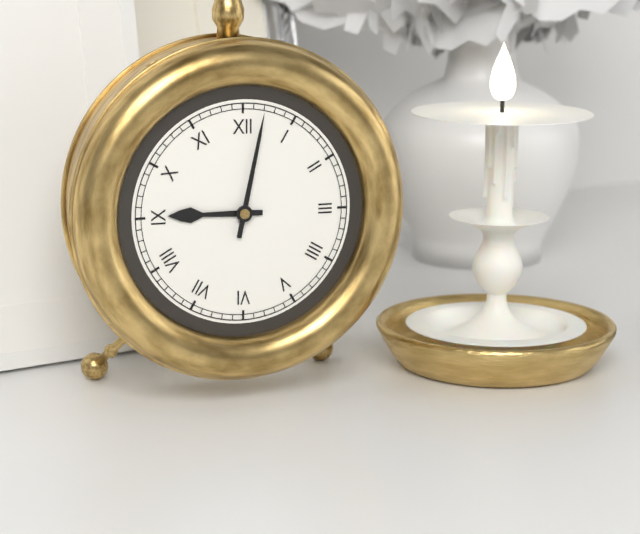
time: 9:02
